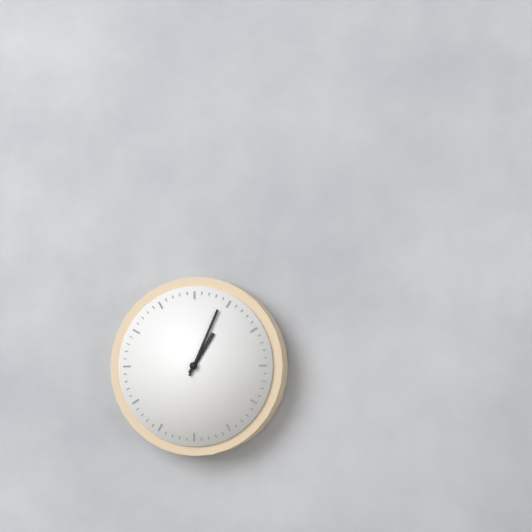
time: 1:04
